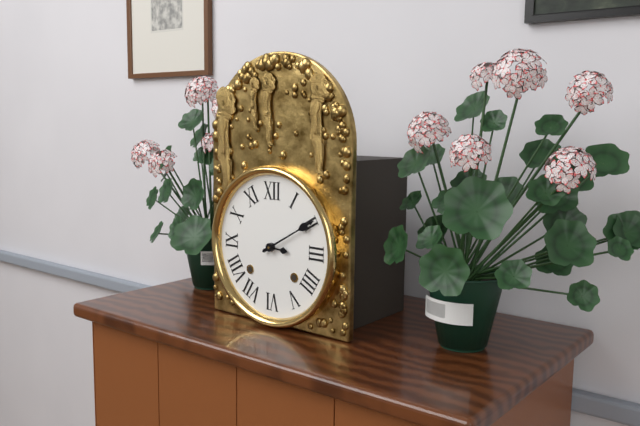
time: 3:10
